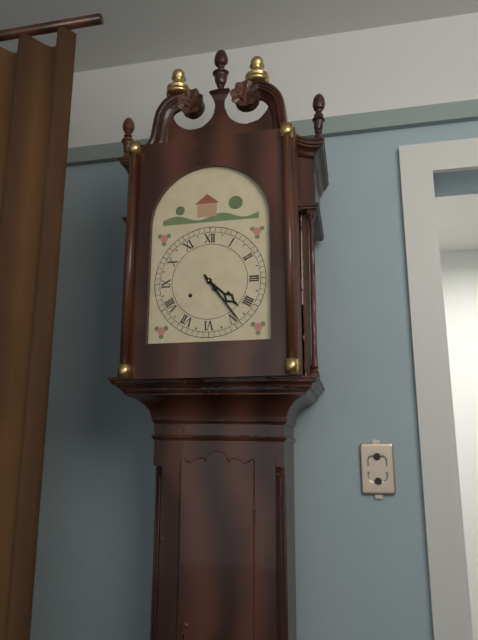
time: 4:24
